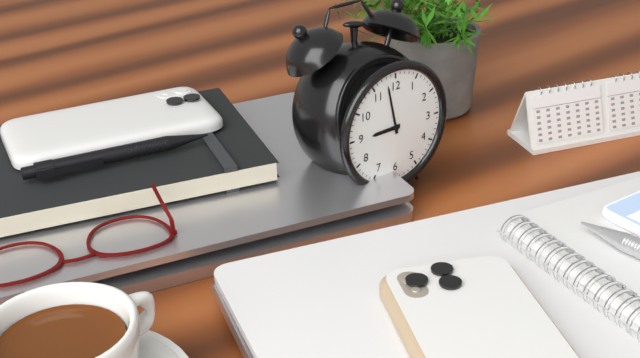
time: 8:58
